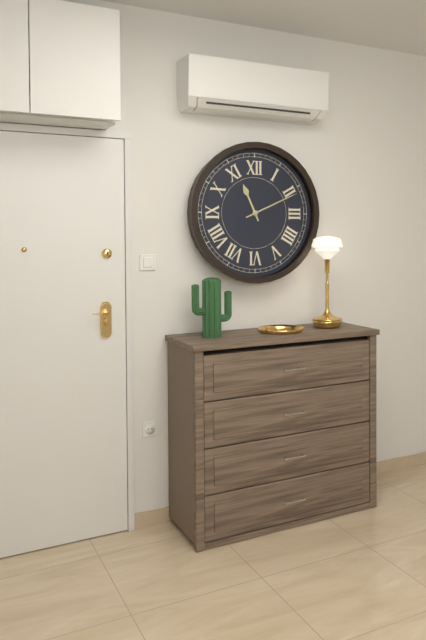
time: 11:11
